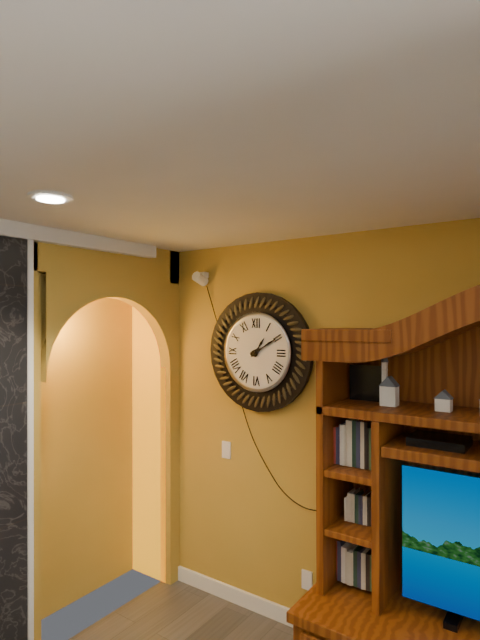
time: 1:10
